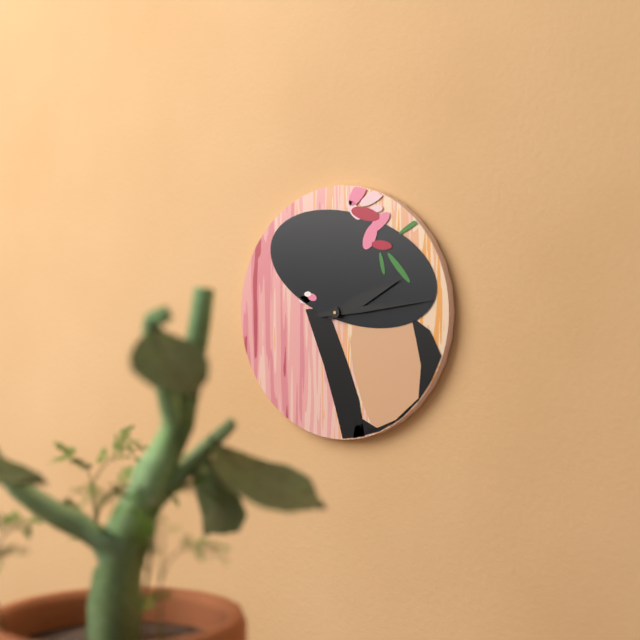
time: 2:14
